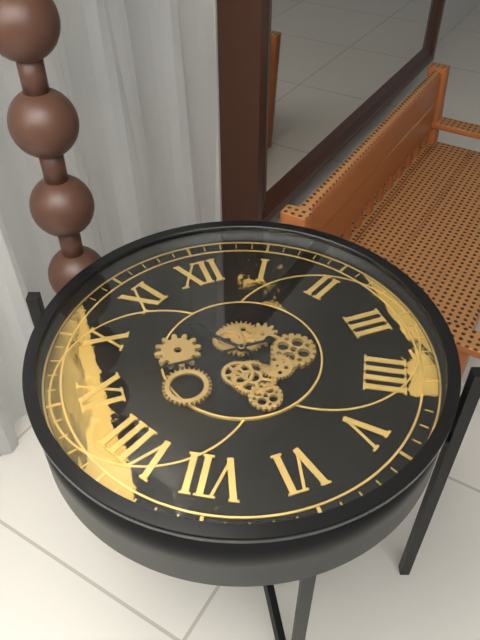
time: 10:45
